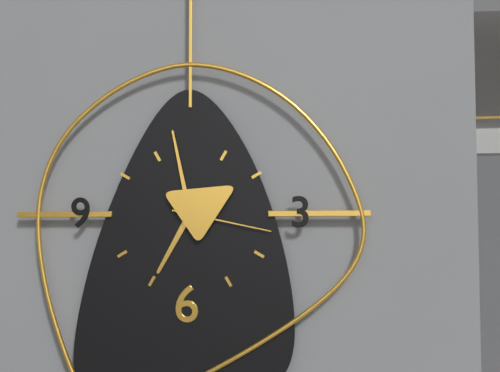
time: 6:58:17
